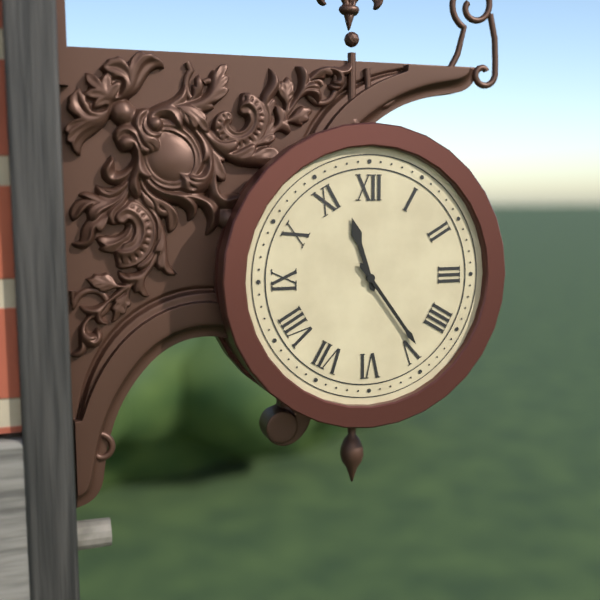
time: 11:24
